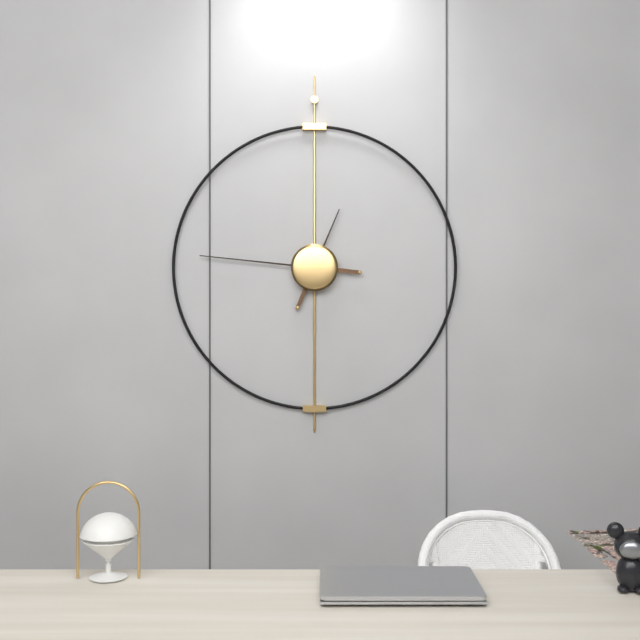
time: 12:46
